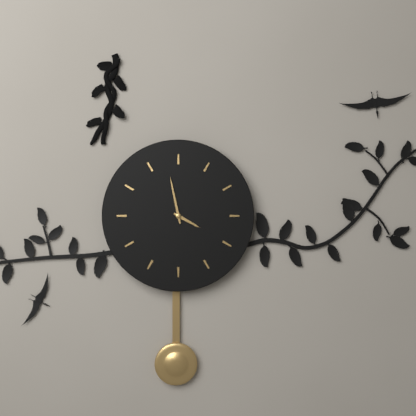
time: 3:58
